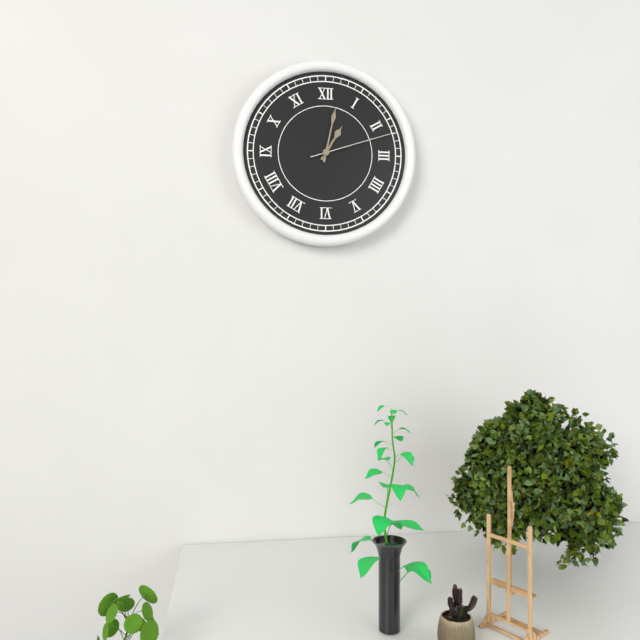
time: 1:02:12
